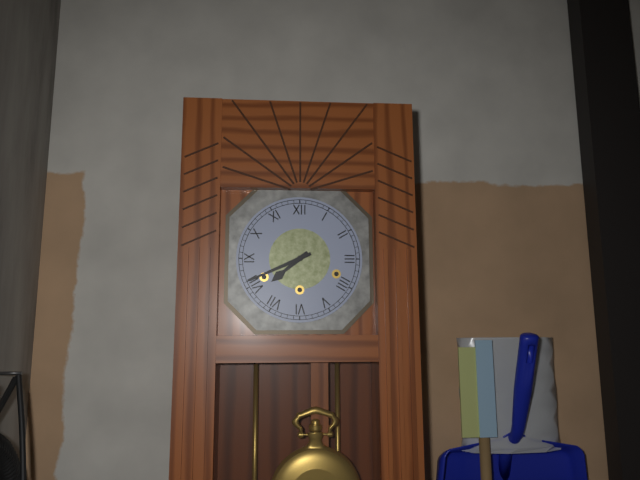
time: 7:41
